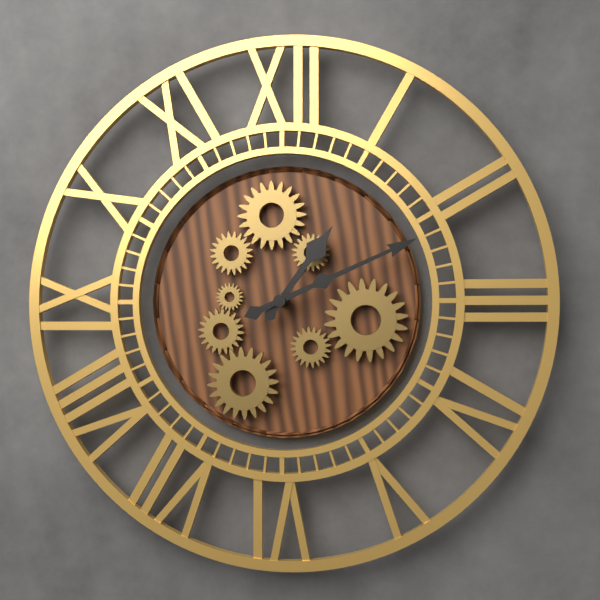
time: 1:11
